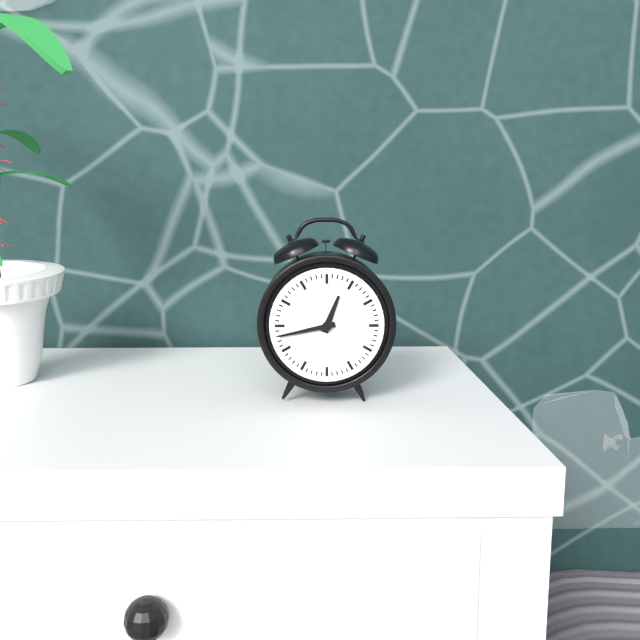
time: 12:43
